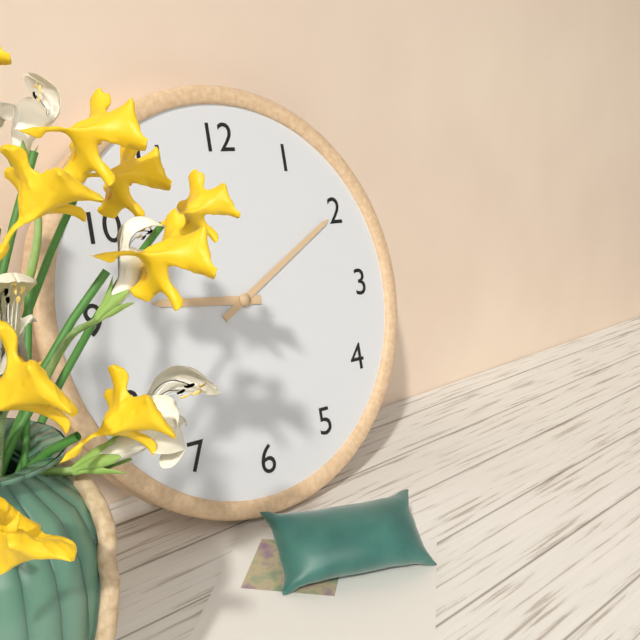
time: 9:10
